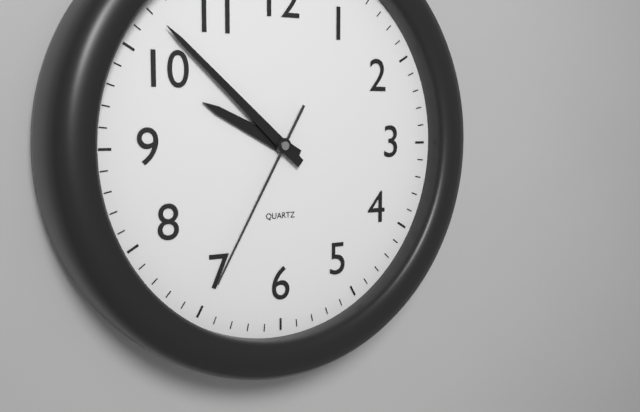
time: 9:52:35
